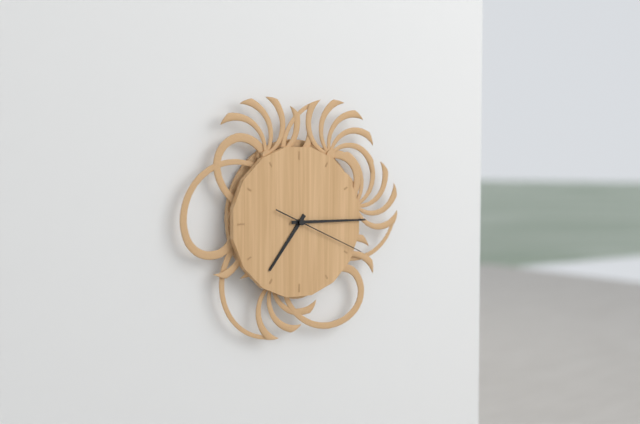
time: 7:15:19
